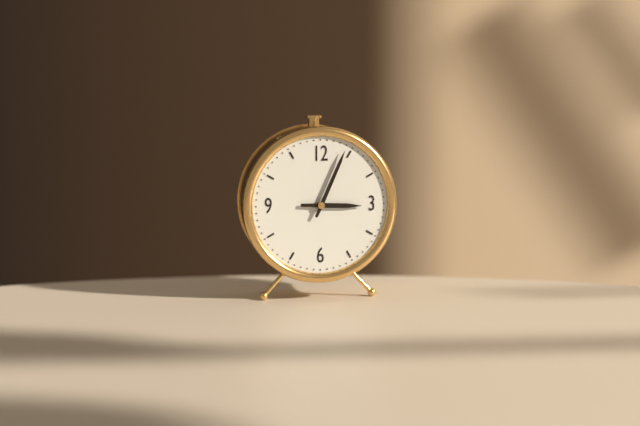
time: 3:04
